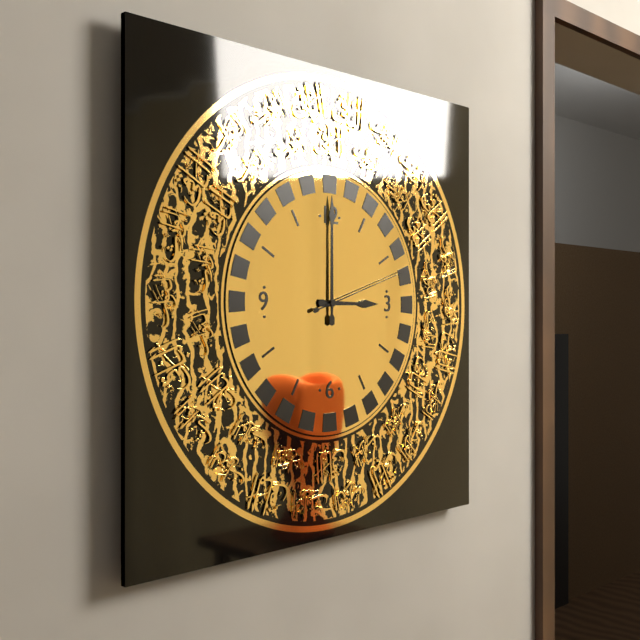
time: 3:00:12
